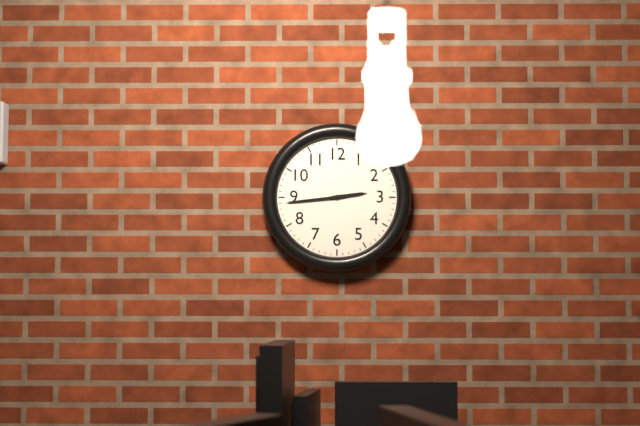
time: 2:44
